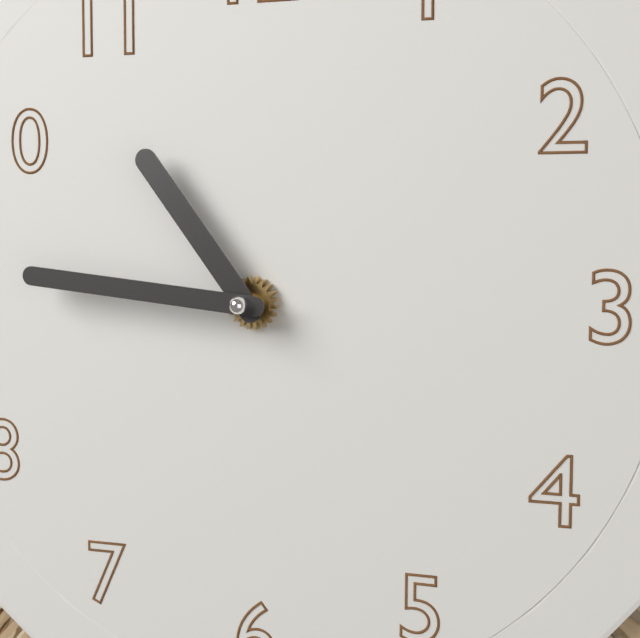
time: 10:46
